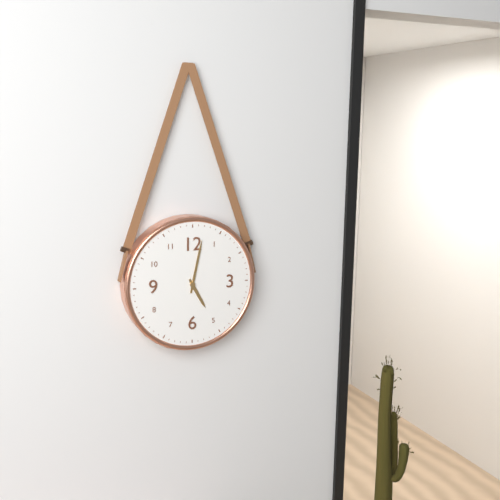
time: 5:02
